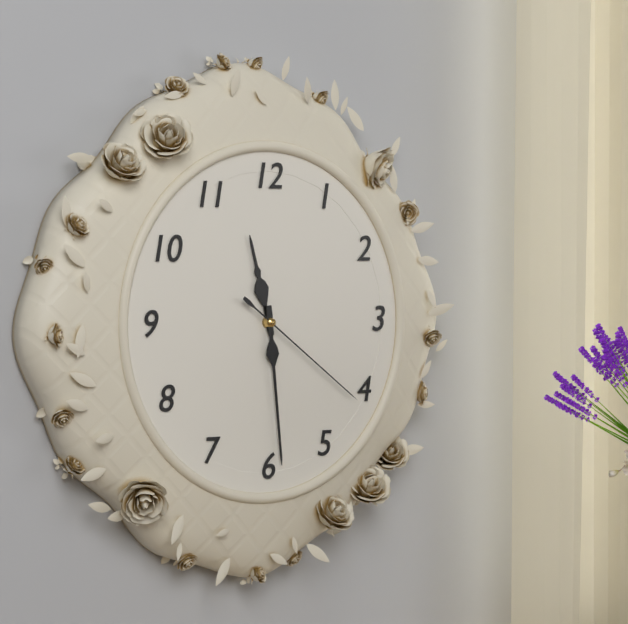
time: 11:29:21
